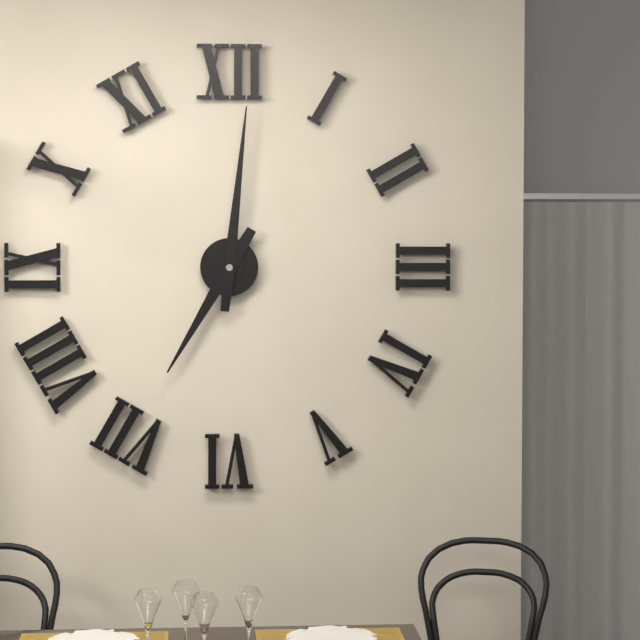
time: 7:01
